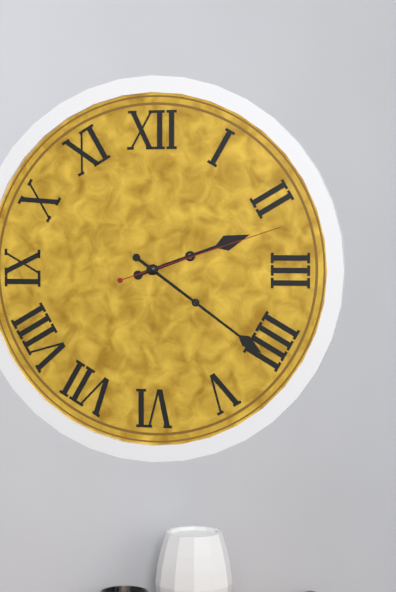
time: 2:21:12
